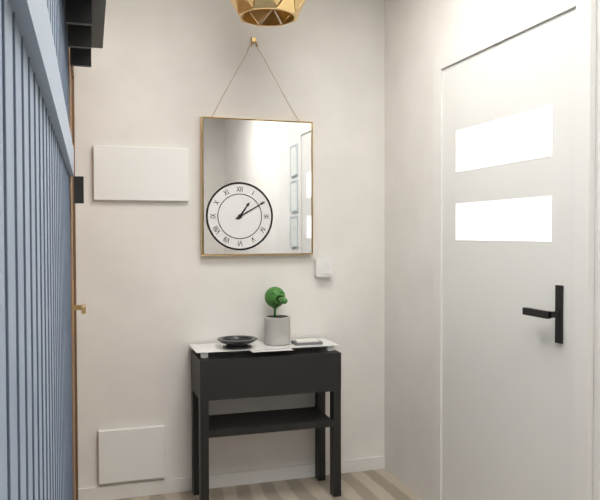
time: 1:10
